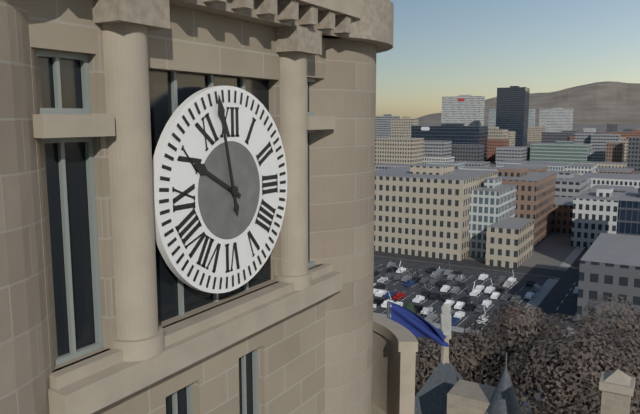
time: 9:58
